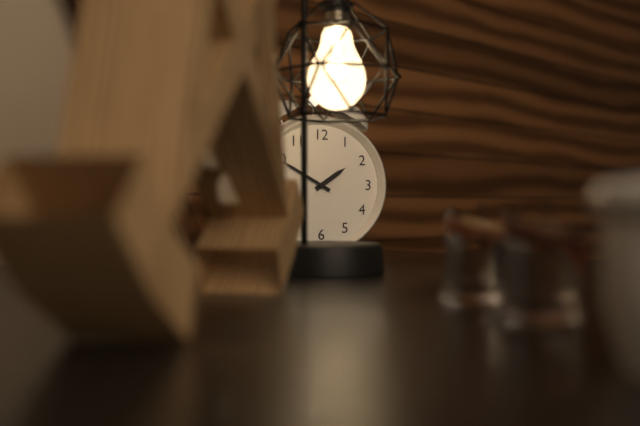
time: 1:50
